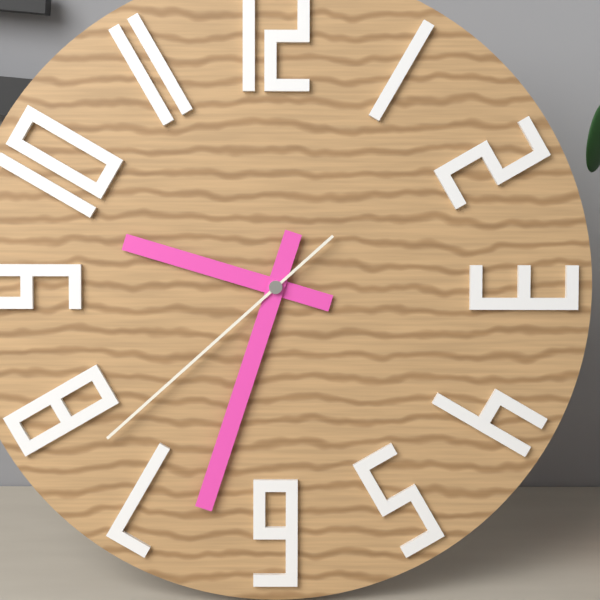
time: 9:33:38
